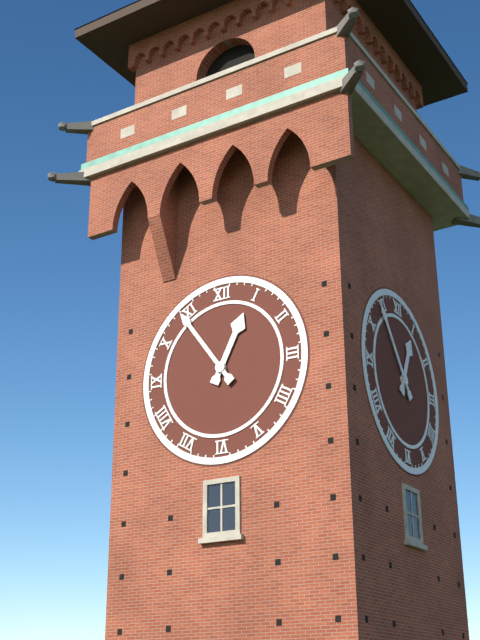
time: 12:54
